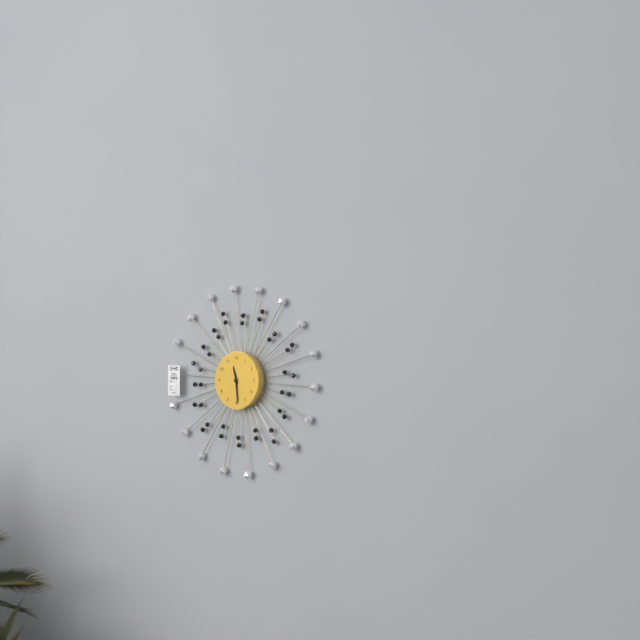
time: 11:29
